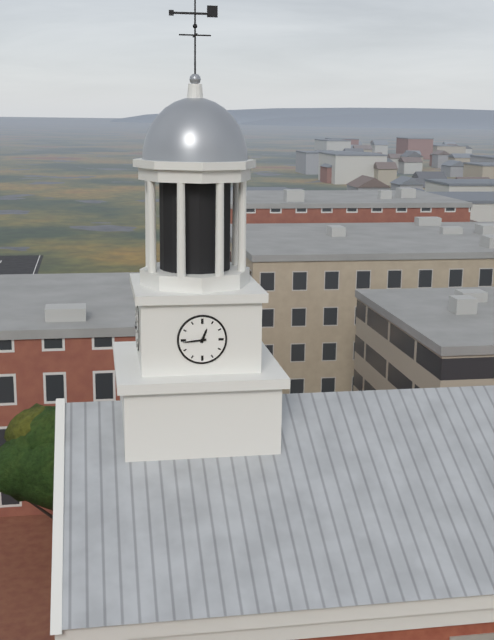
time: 12:44
